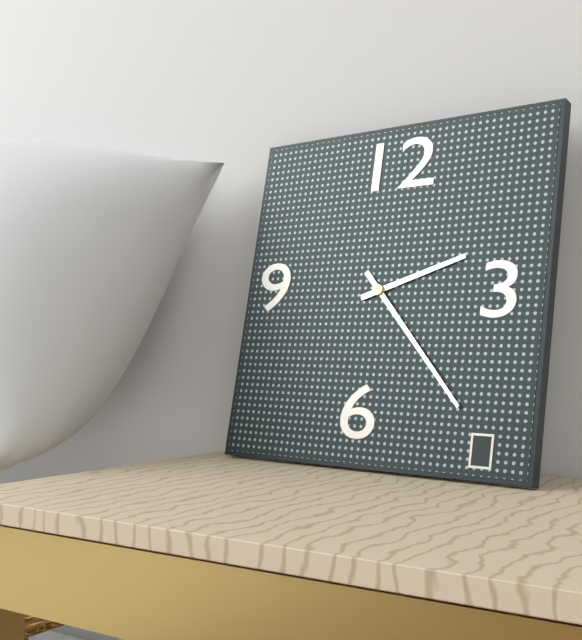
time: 2:23
